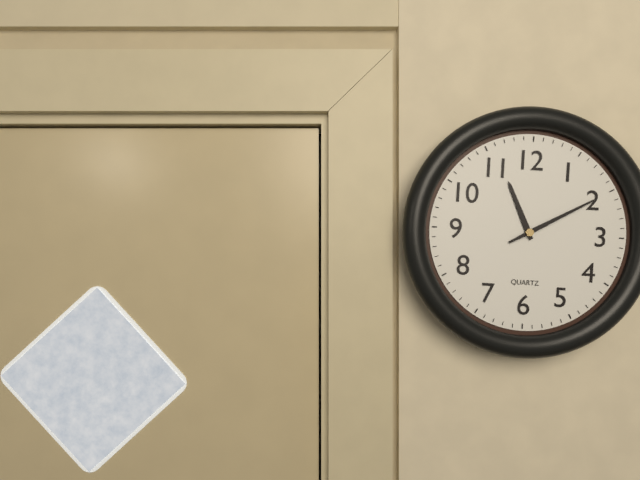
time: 11:10
